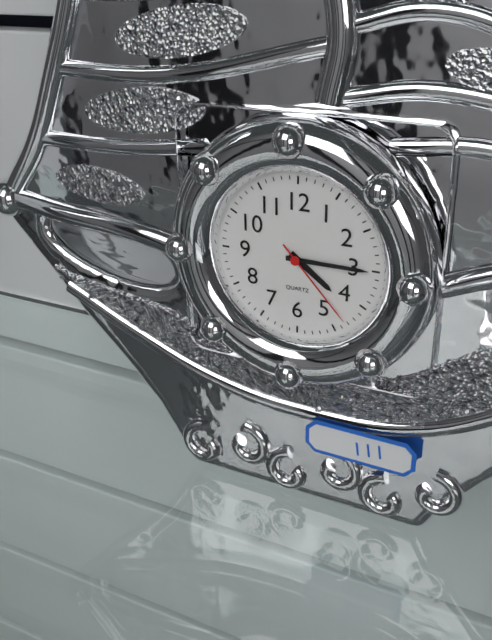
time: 4:15:23
